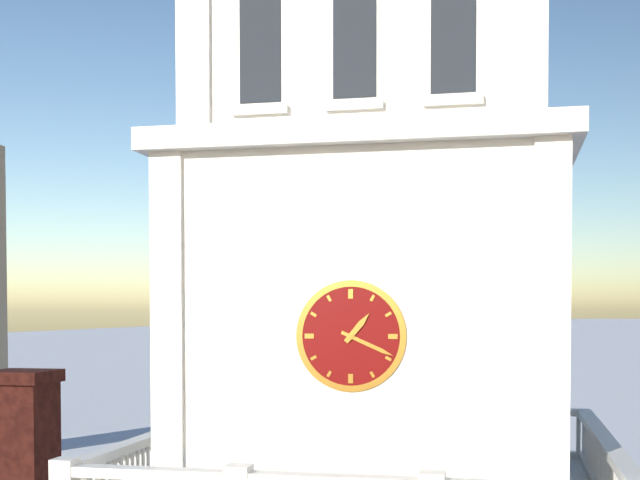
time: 1:19
